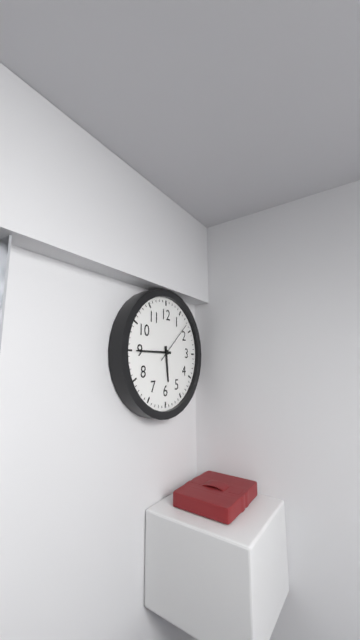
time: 5:45
